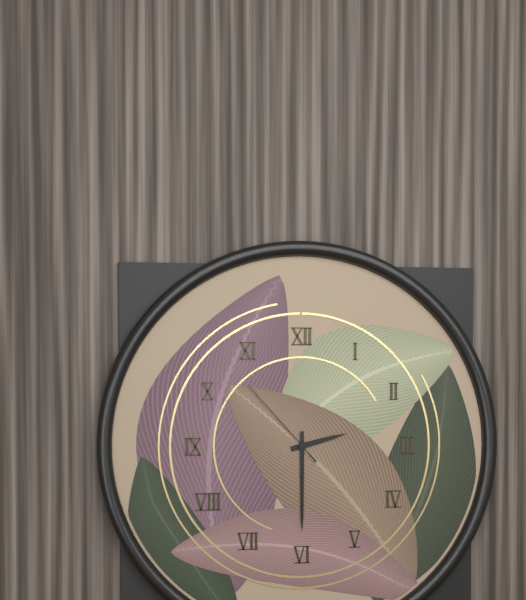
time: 2:30:53
